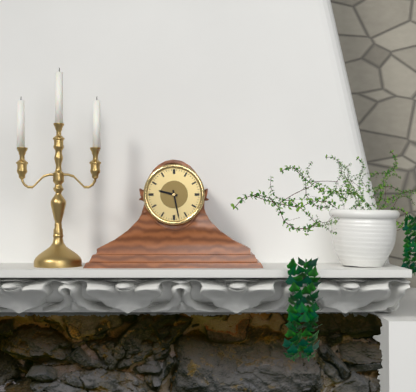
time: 9:28
